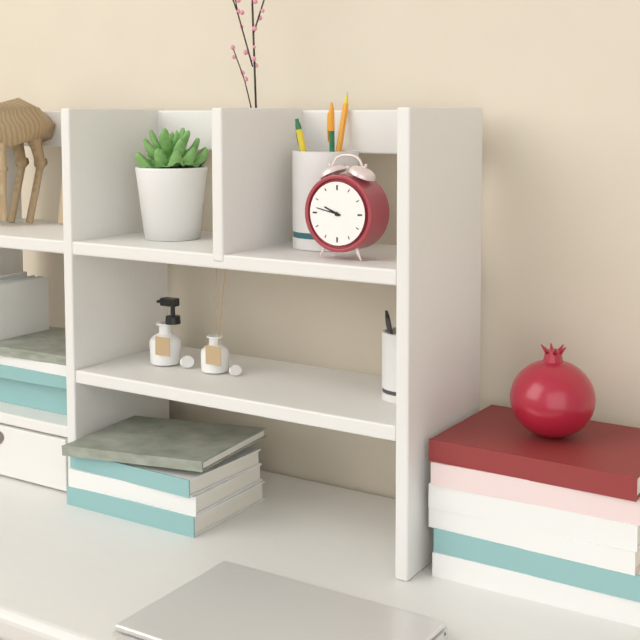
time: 9:47
